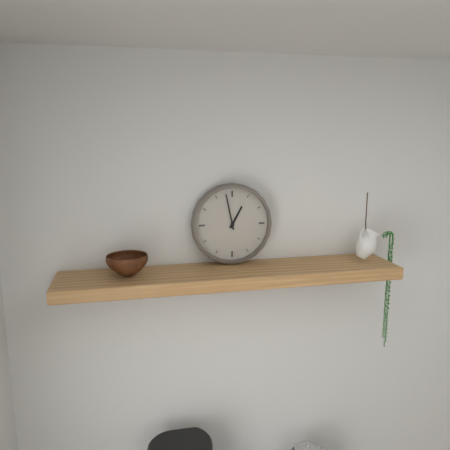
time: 12:58
